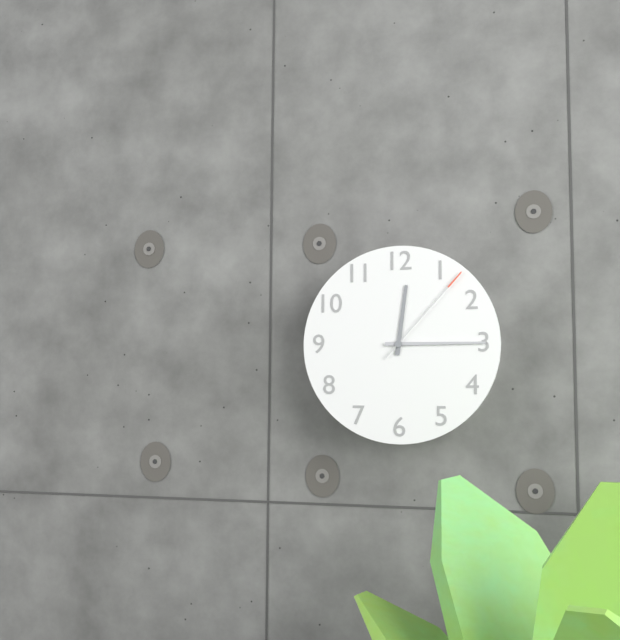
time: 12:15:07
